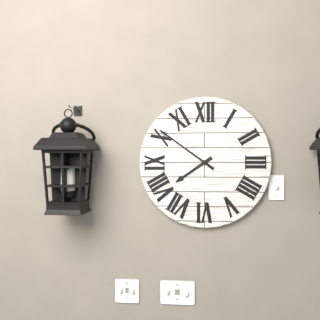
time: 7:51
